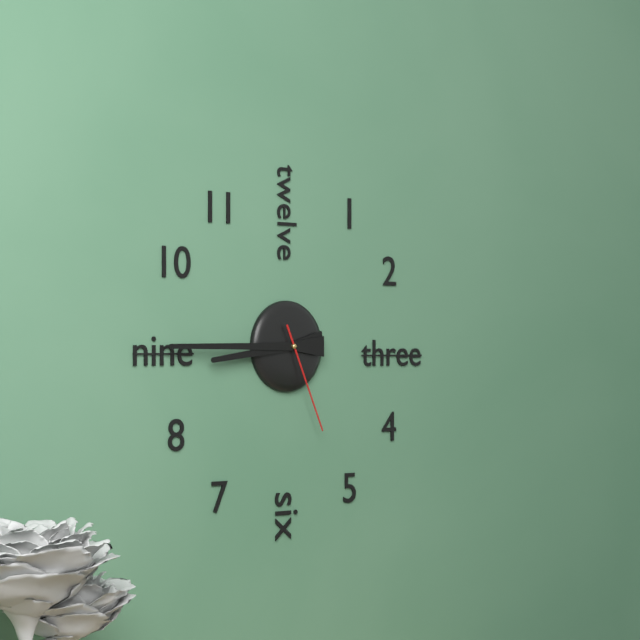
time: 8:45:26
